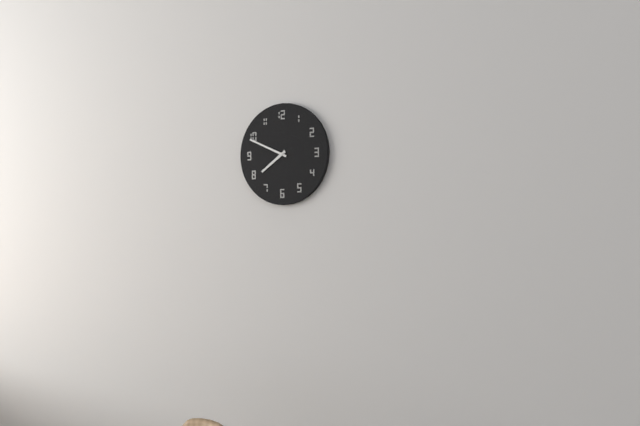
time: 7:49
